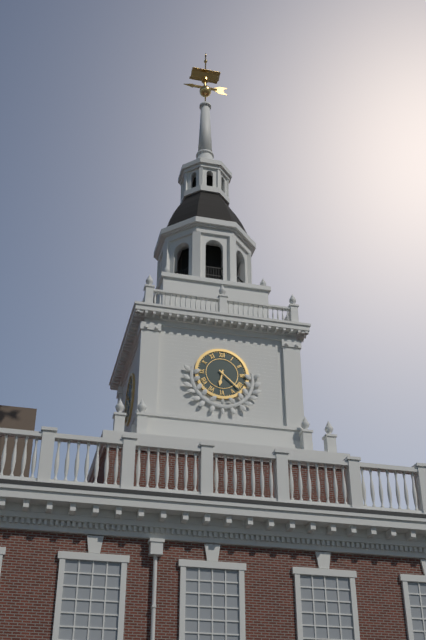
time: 6:22
